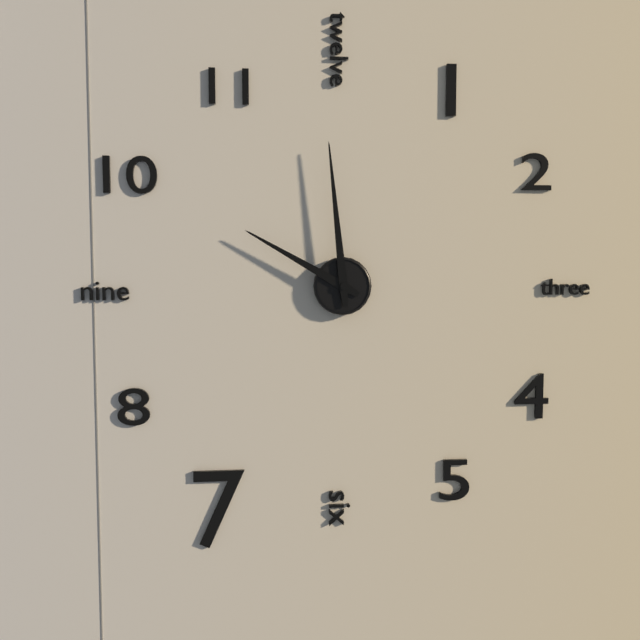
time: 9:59
